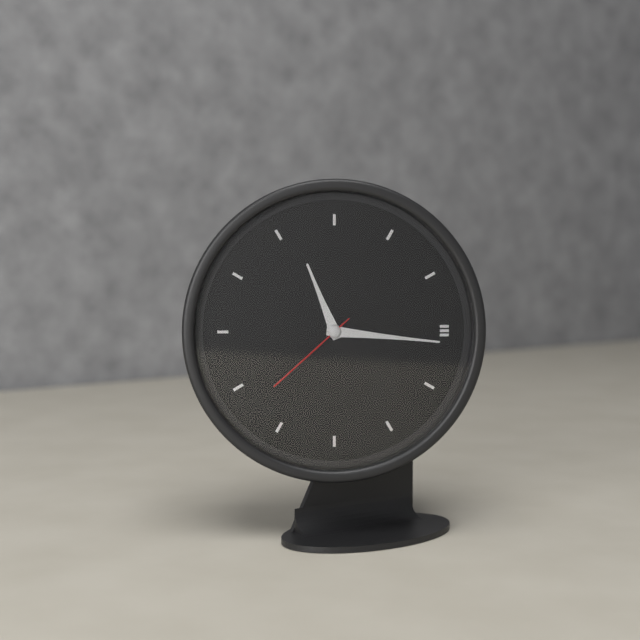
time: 11:16:38
